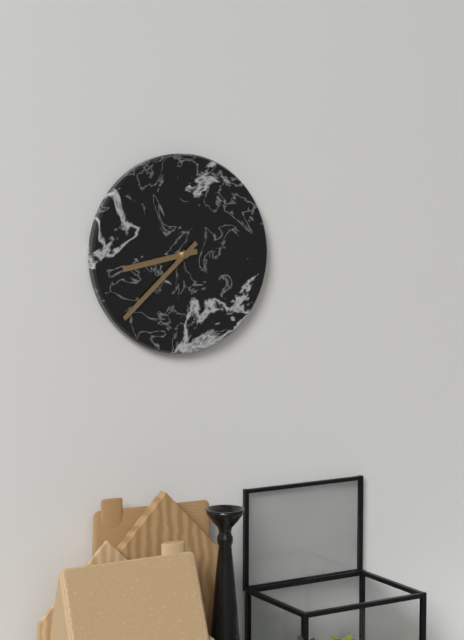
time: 8:38
